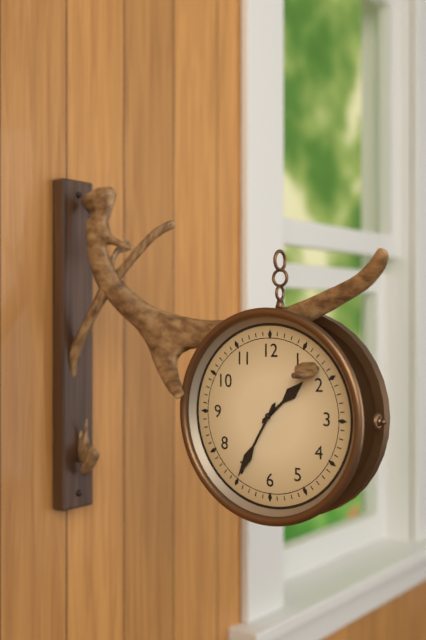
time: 1:35
